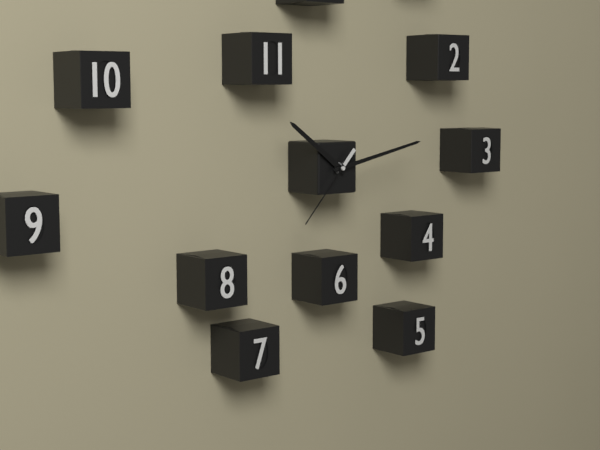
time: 10:13:37
